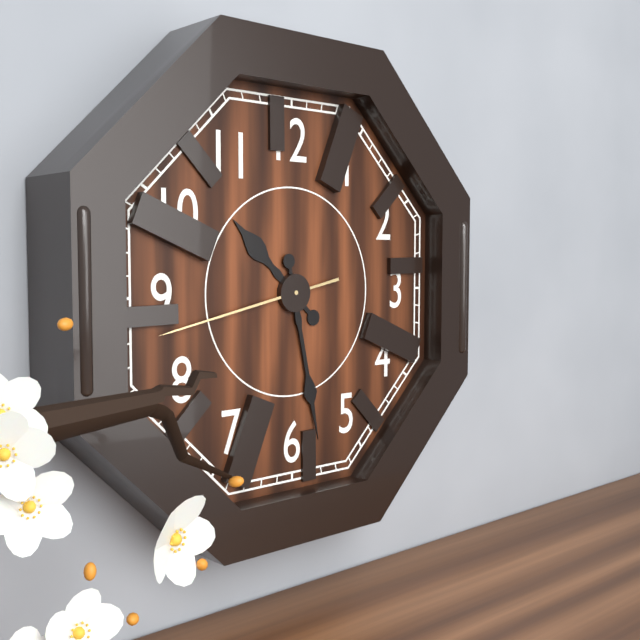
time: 10:28:43
